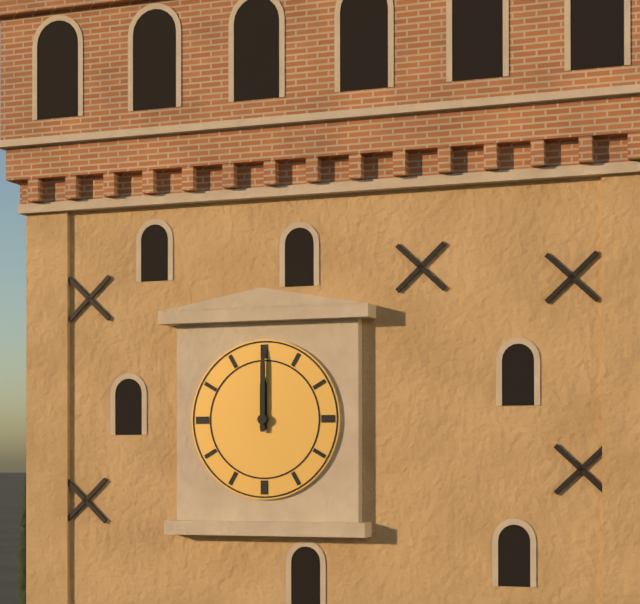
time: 12:00
